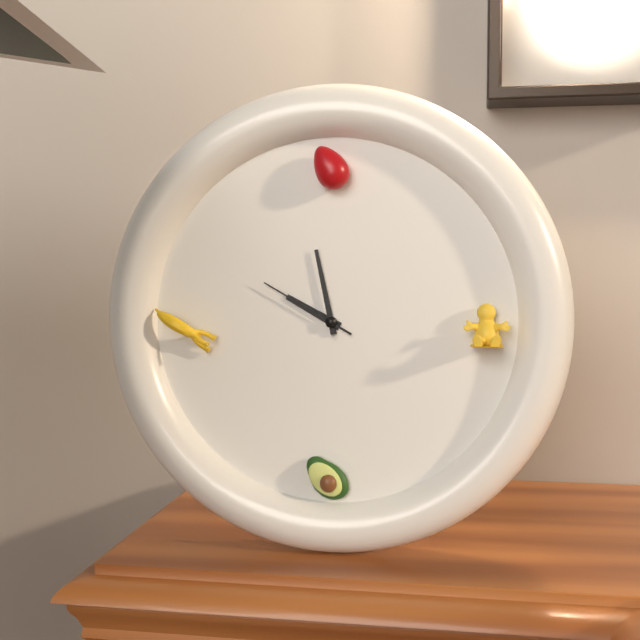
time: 9:58:50
